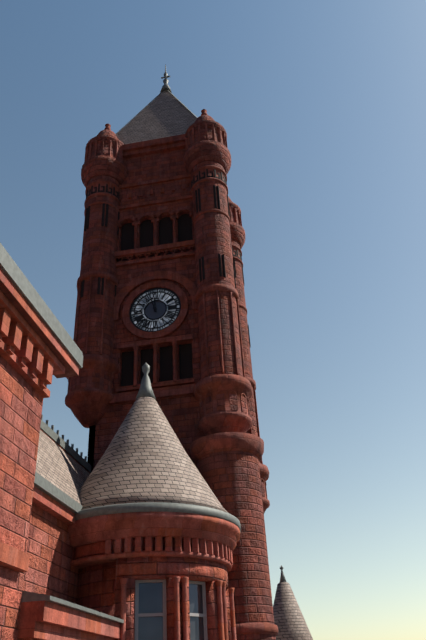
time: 11:57
